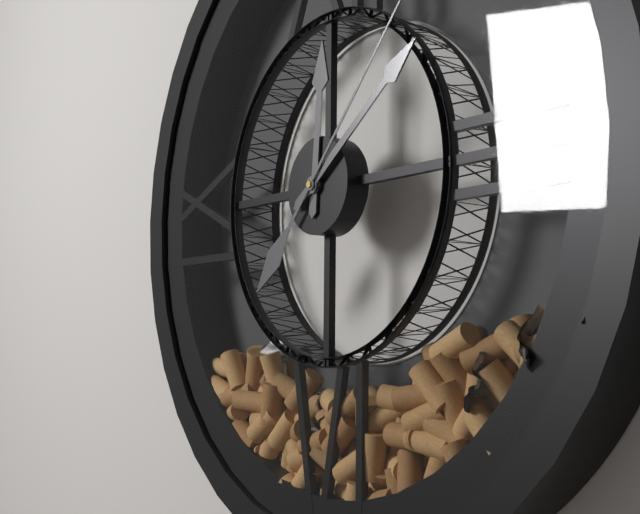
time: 12:09
